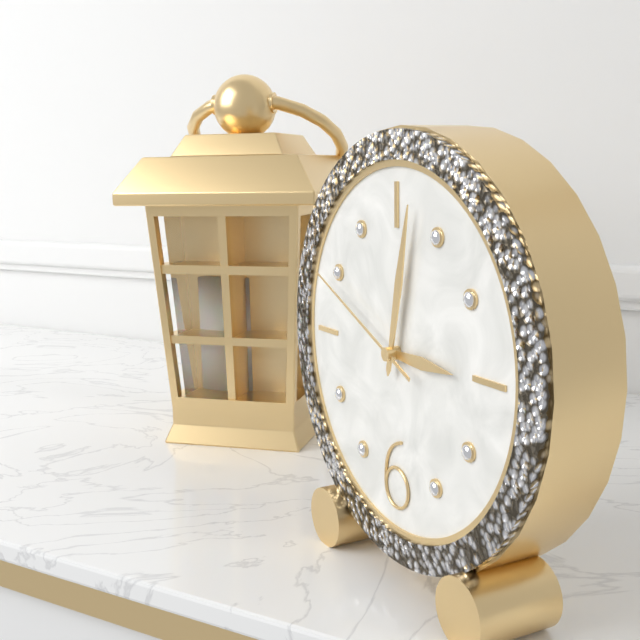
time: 3:02:49
